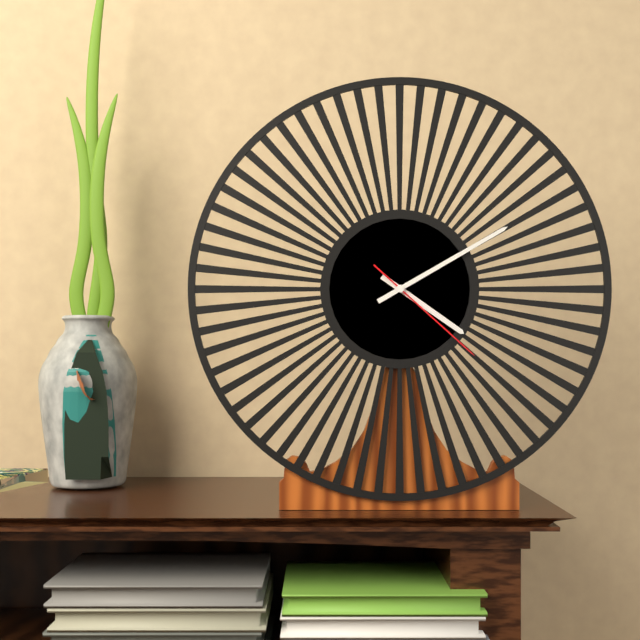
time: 4:10:22
